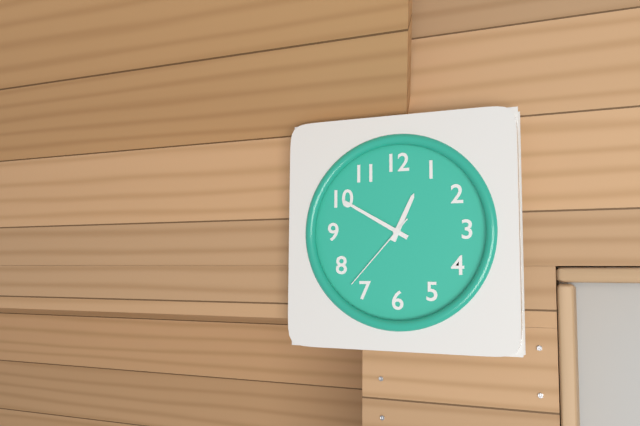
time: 12:50:37
